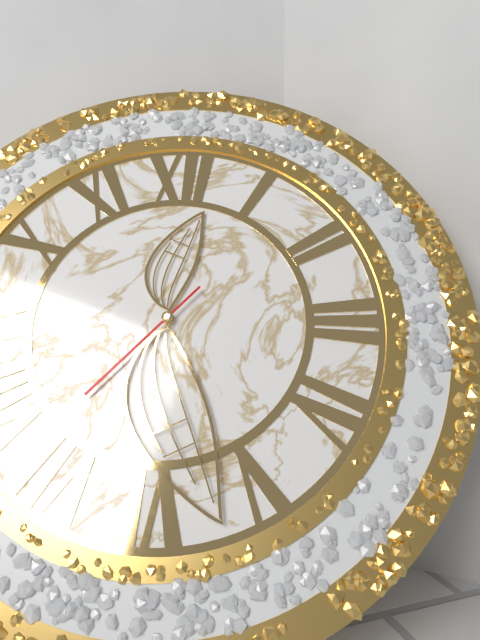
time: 12:27:37
